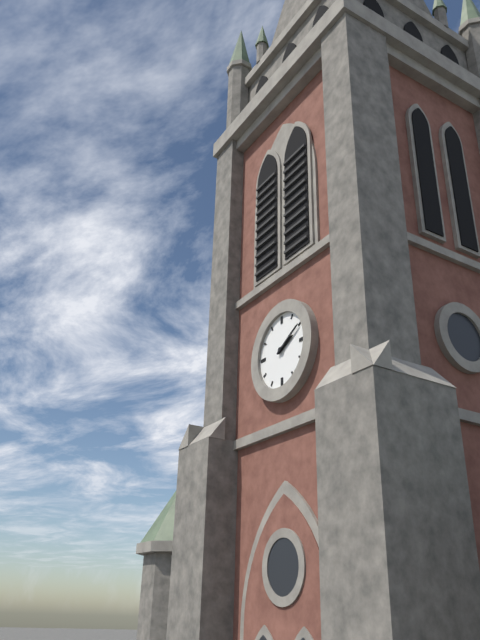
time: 2:10
